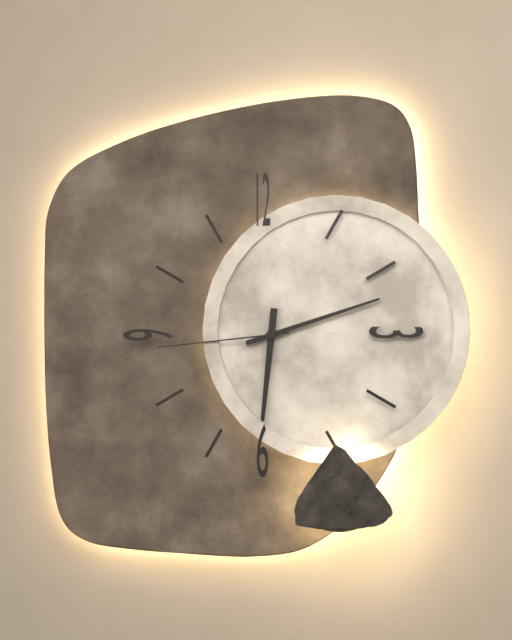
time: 6:12:44
